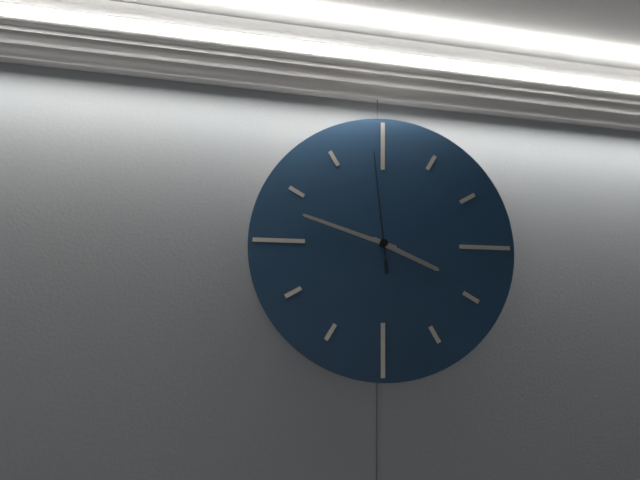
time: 3:48:59
